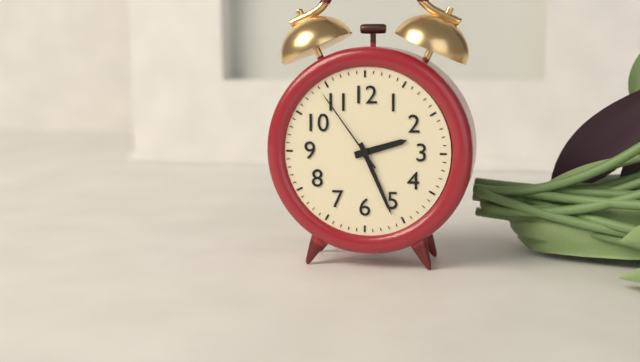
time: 2:26:54
